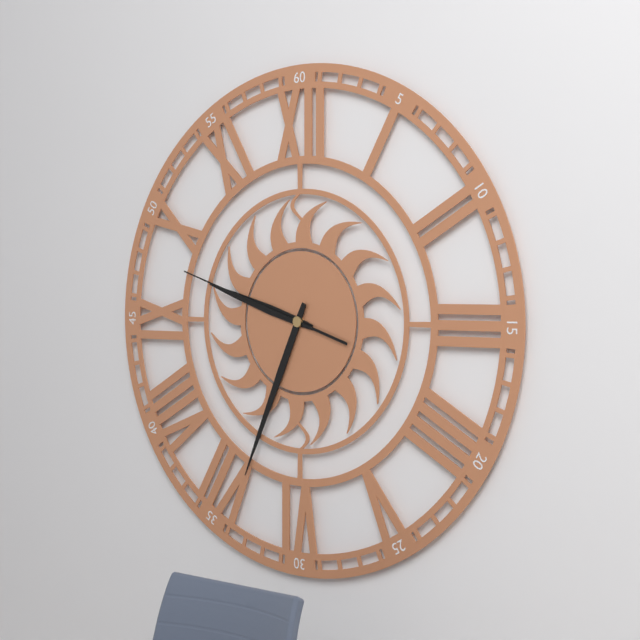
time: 9:34:48
